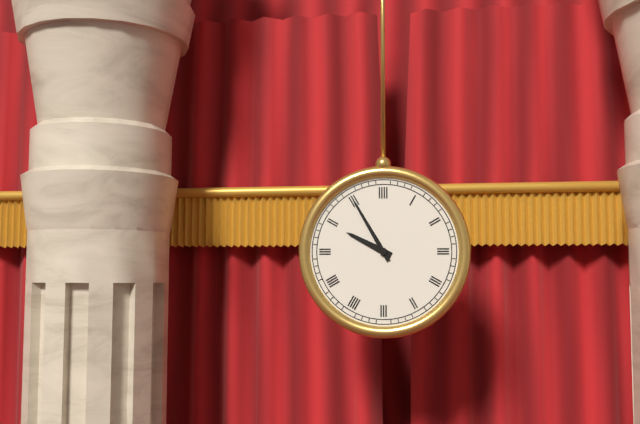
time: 9:55
